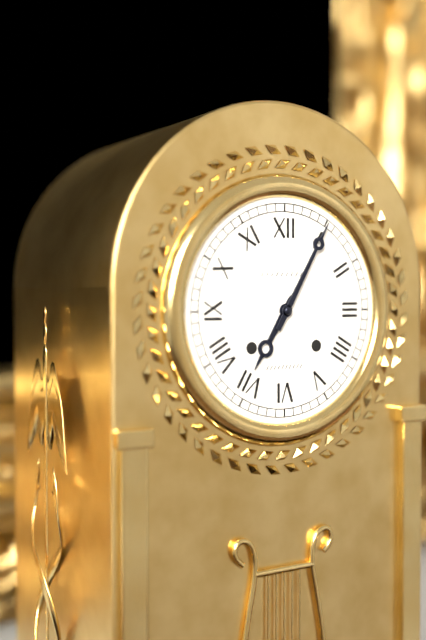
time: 7:05
